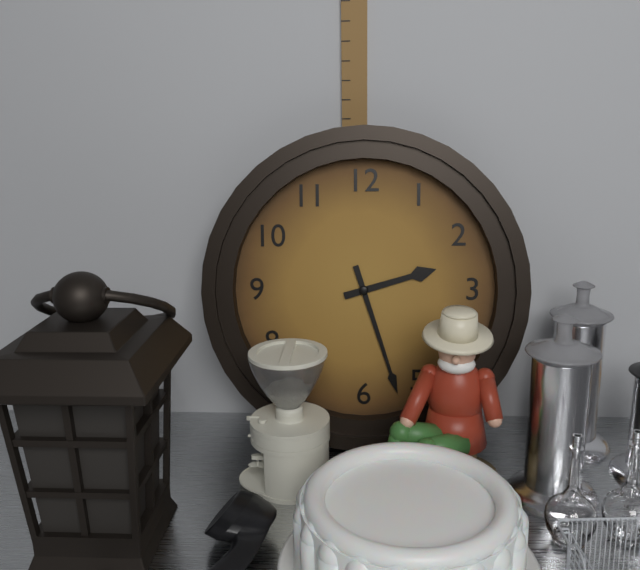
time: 2:27
